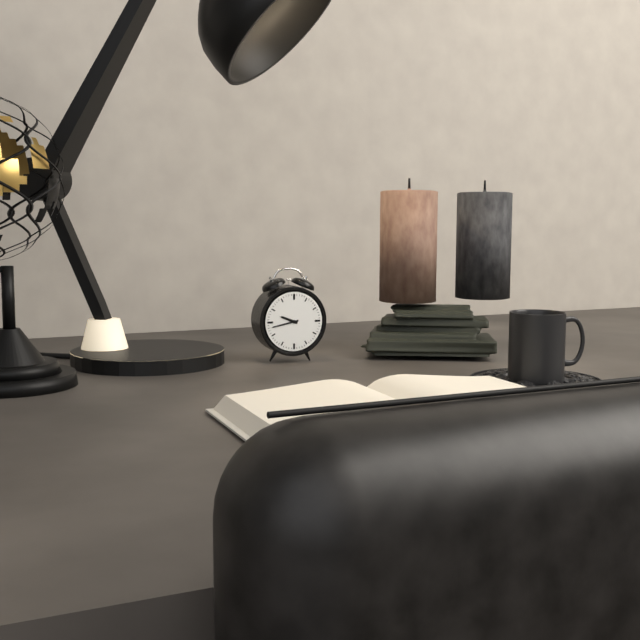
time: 9:43
